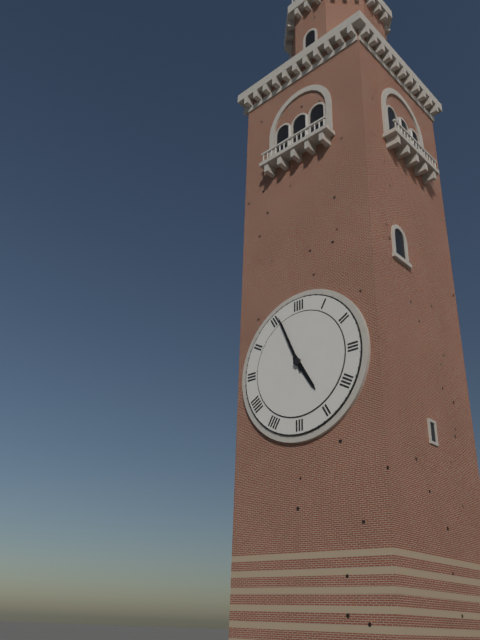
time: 4:56
